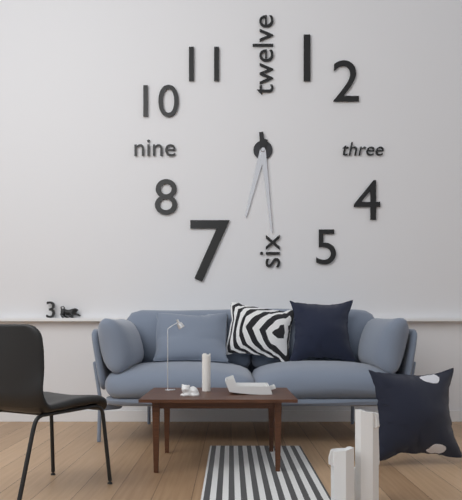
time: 6:29
